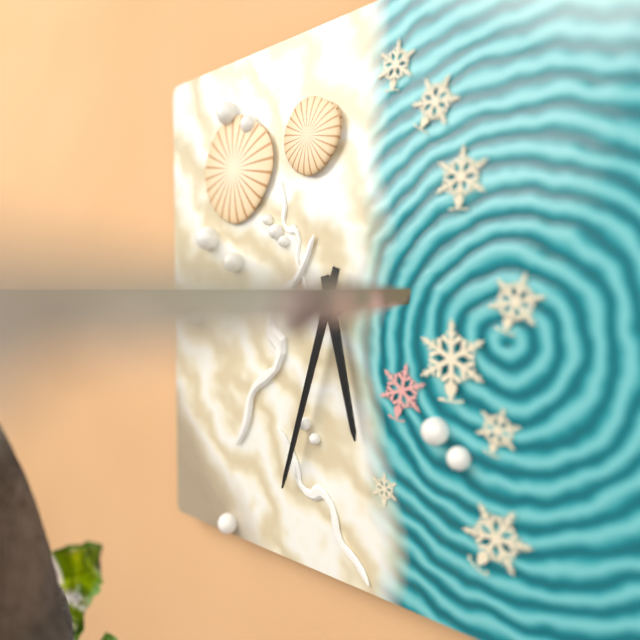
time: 5:33
